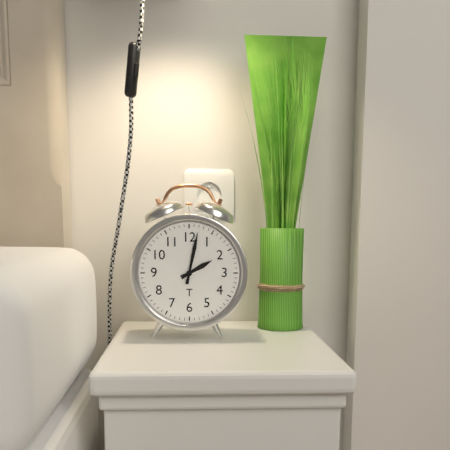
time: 2:02
